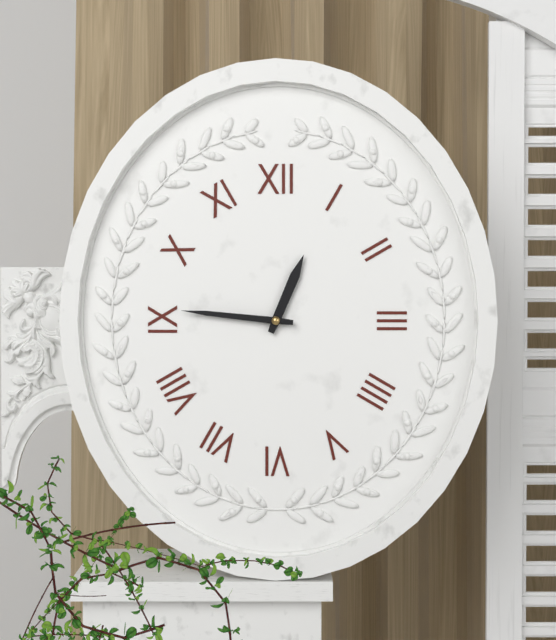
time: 12:46
